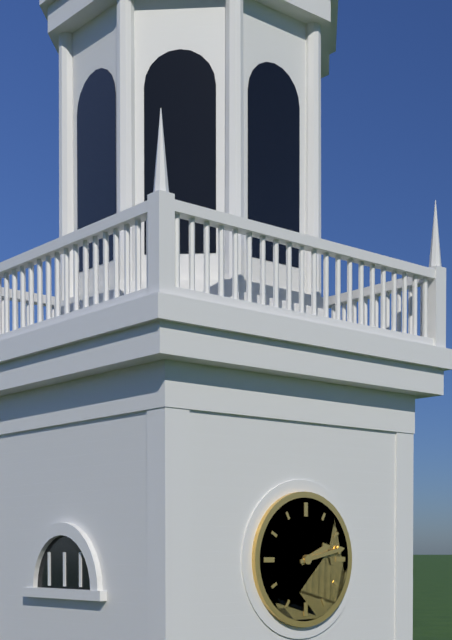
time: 2:13
